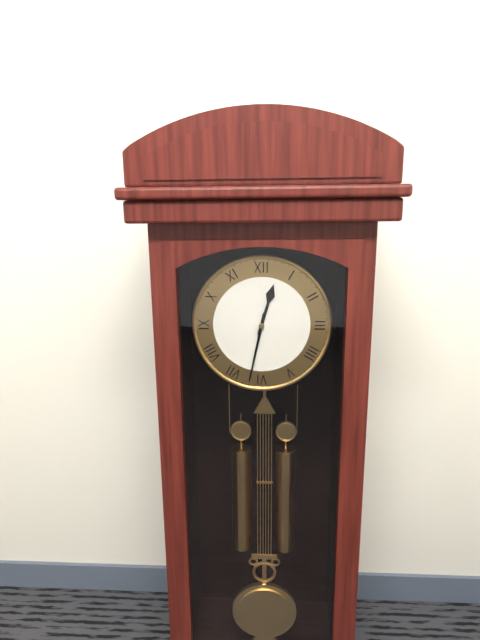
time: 12:32
